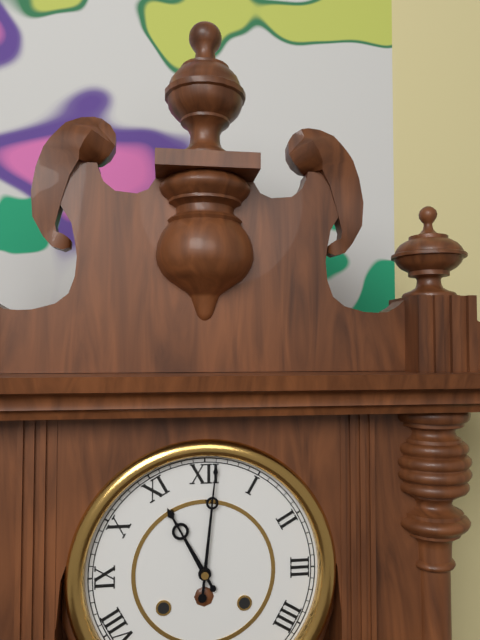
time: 11:01
